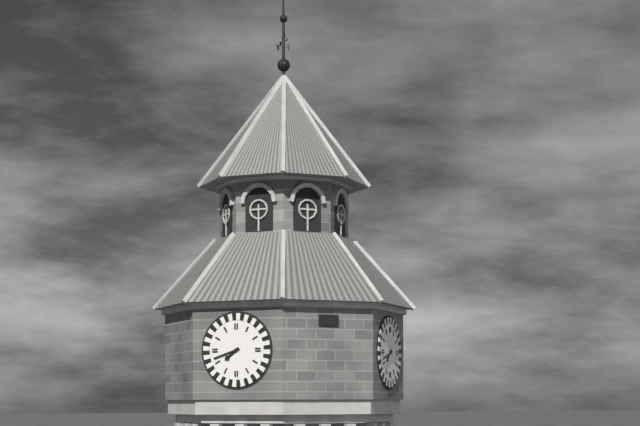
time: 7:42
